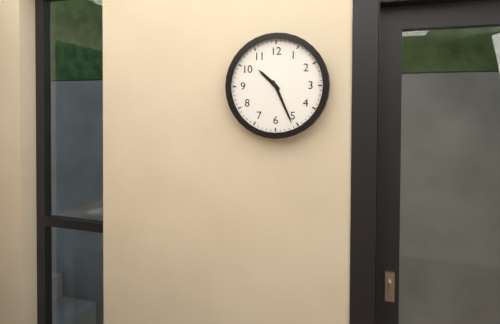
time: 10:26
